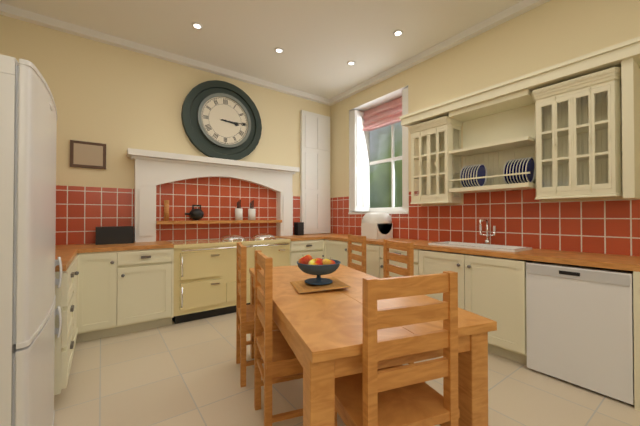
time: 3:15
